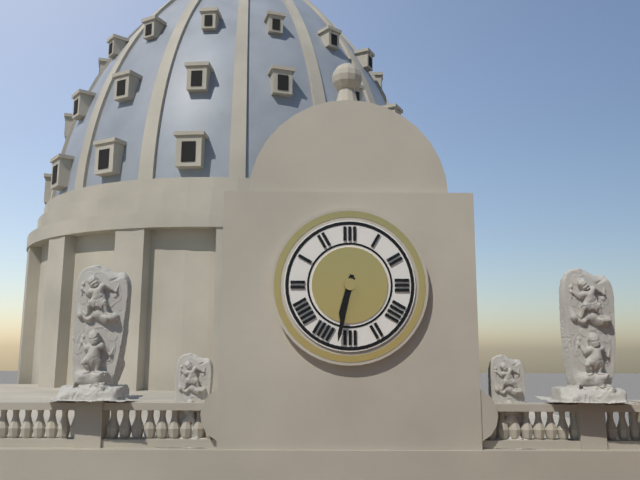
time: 6:32
